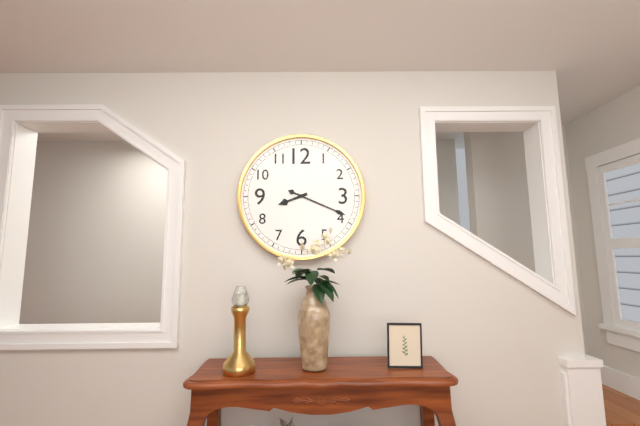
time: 8:19
